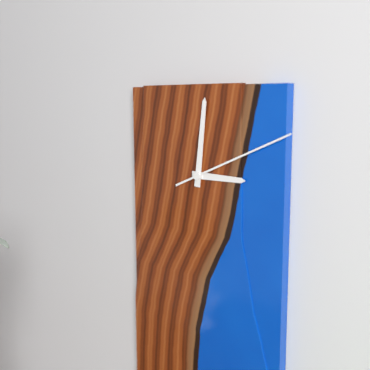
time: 3:01:11
